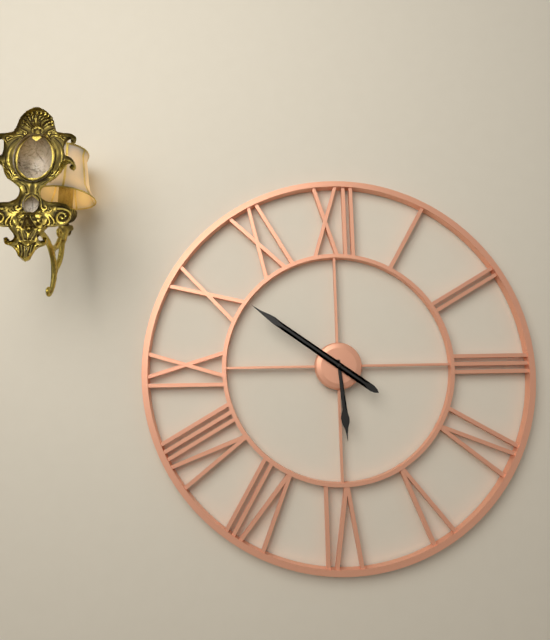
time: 5:51
